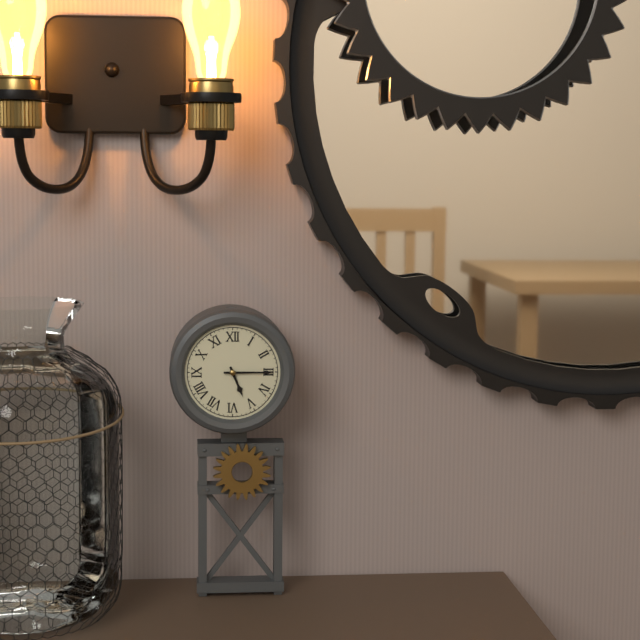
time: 5:15
